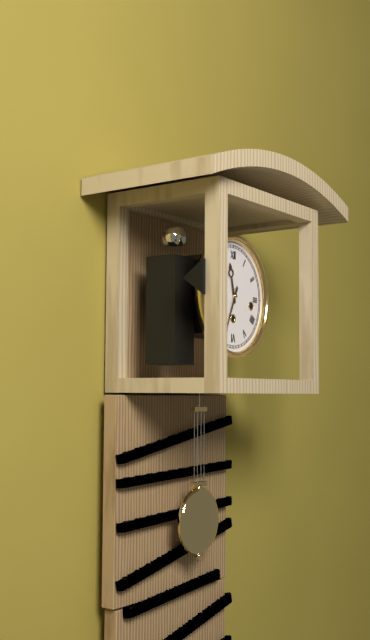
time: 11:34
